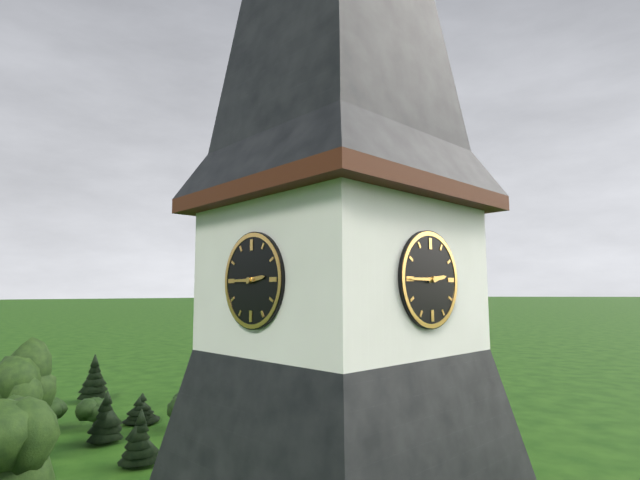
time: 2:45
